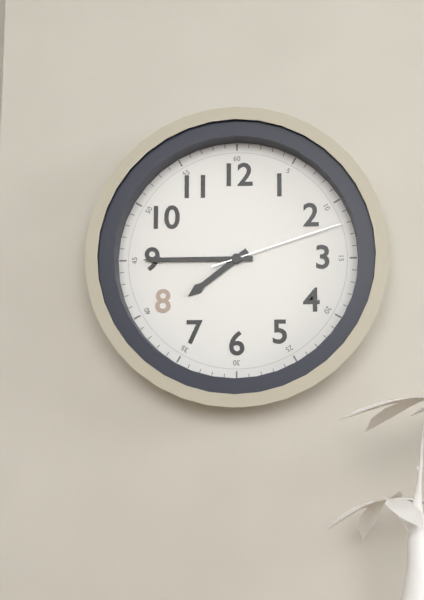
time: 7:45:12
